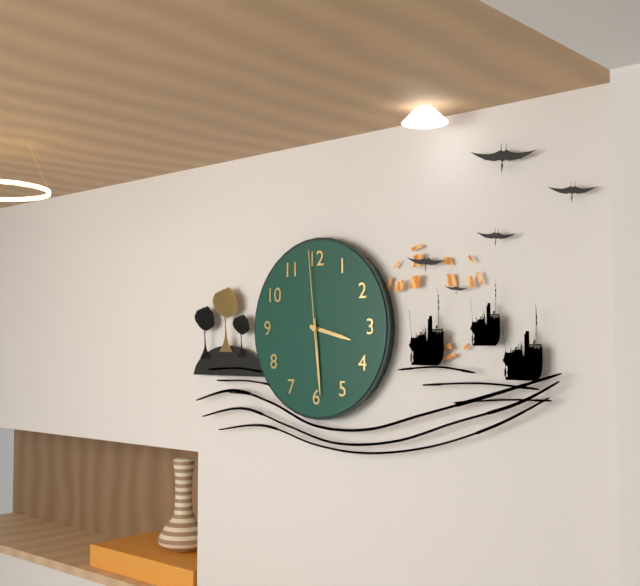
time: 3:29:59
